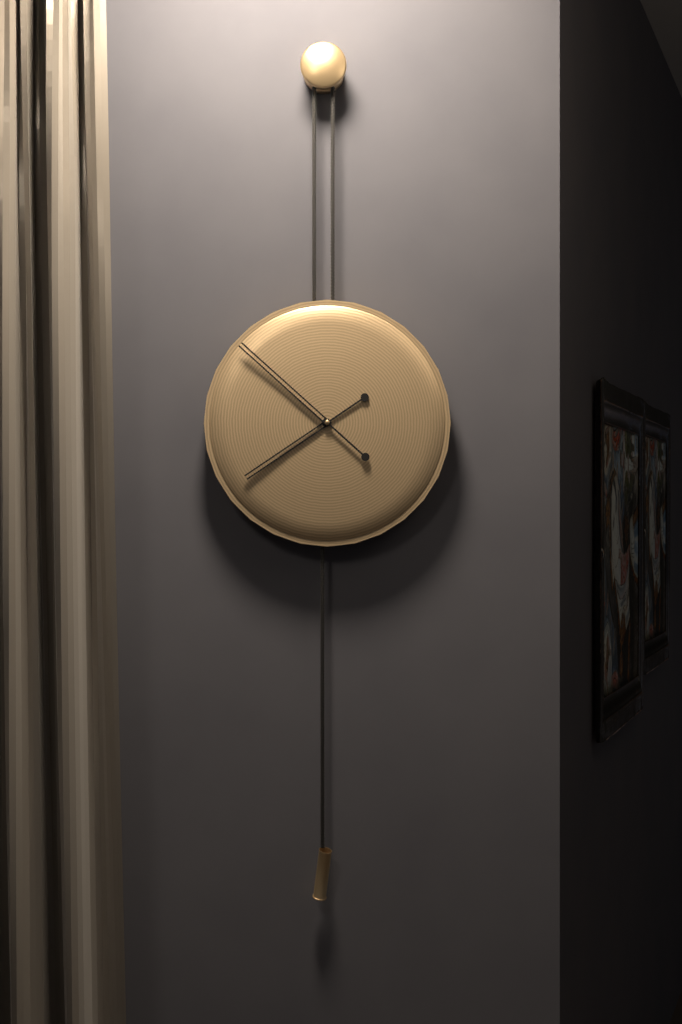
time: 7:52
